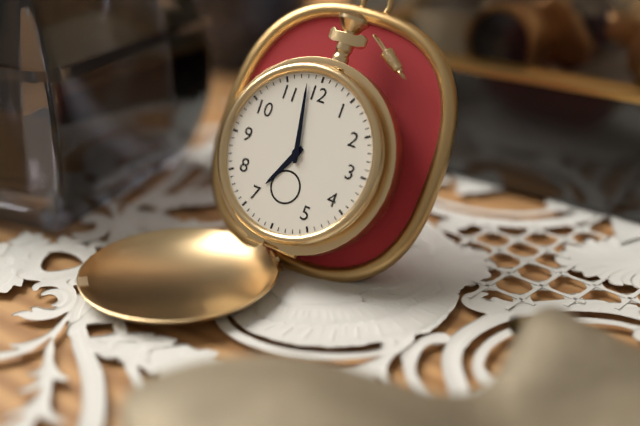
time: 6:58
